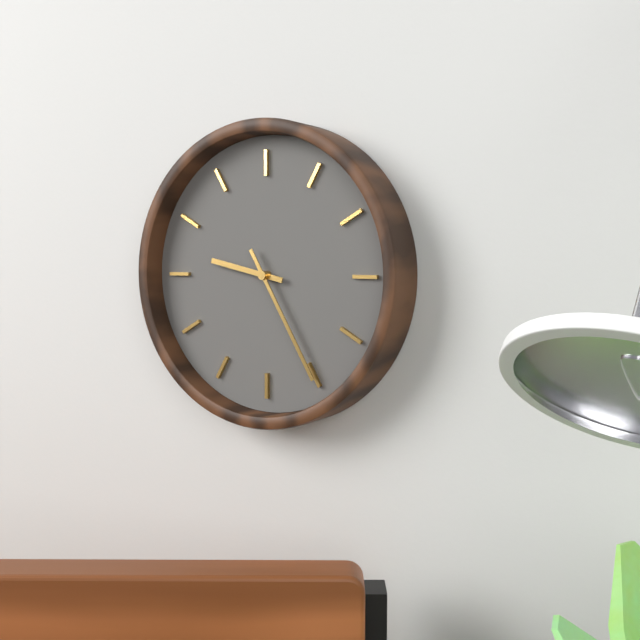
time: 9:25
